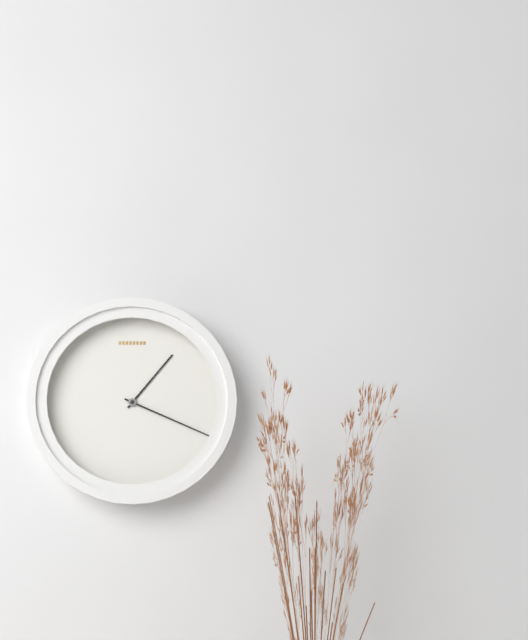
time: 1:19
